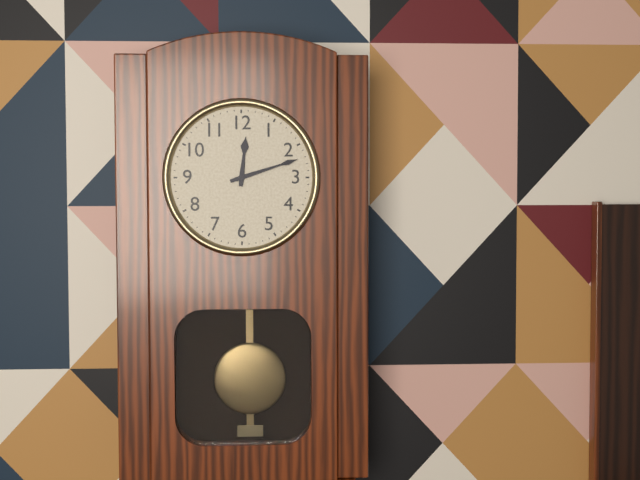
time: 12:12
